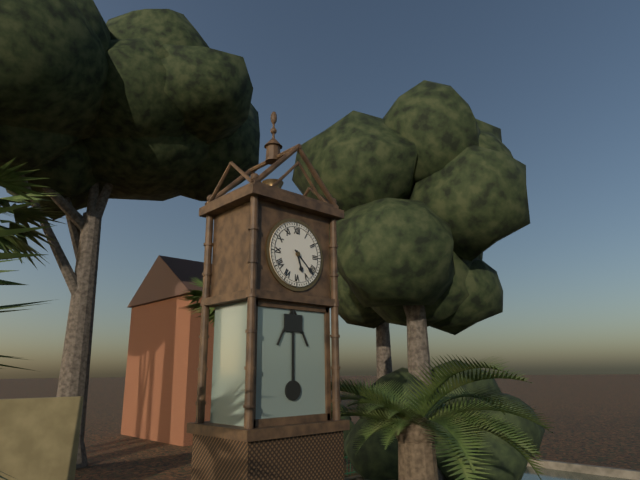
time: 5:22
